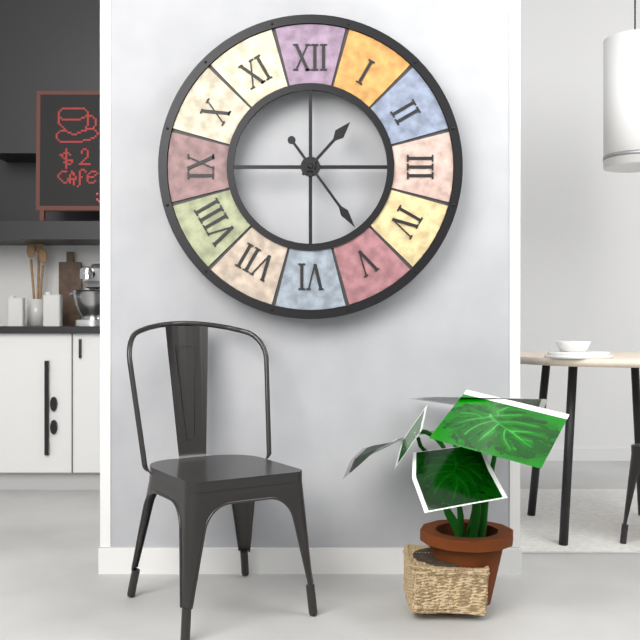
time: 1:24
